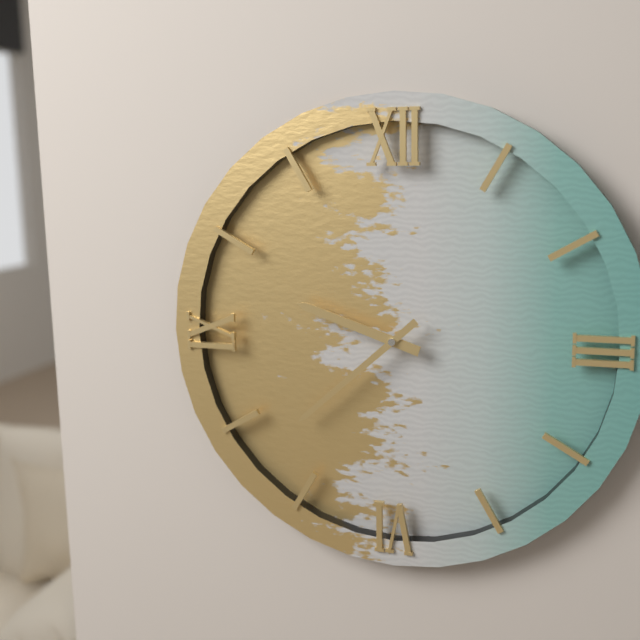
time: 9:38
